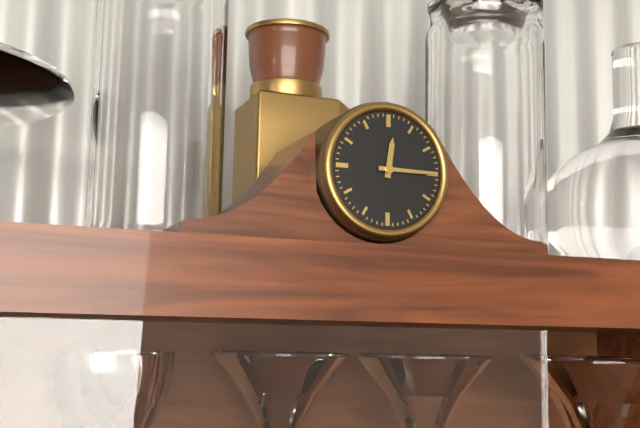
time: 12:15
